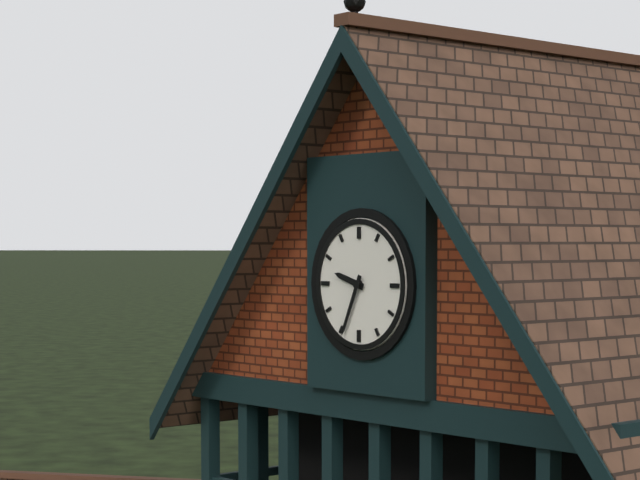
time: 9:34
